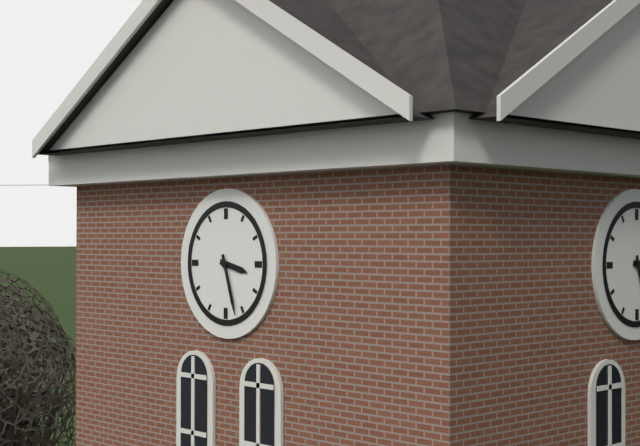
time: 3:27
